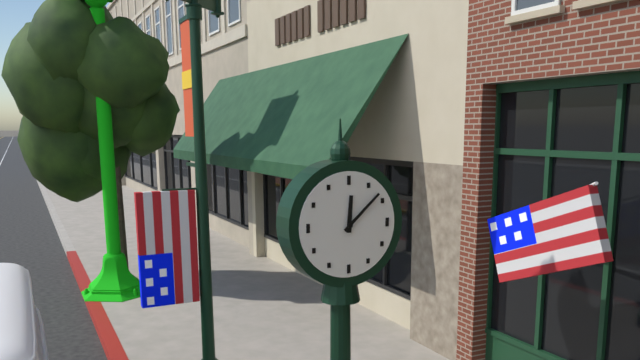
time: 12:08
